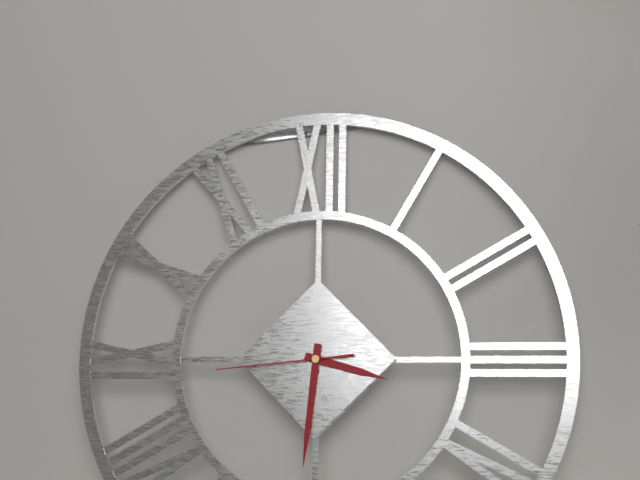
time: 3:31:44
